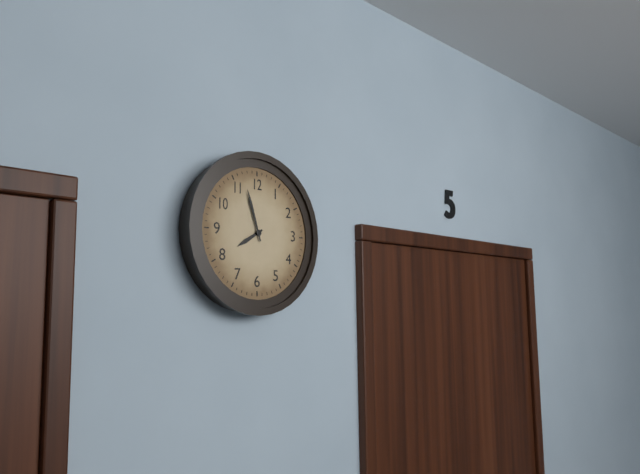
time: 7:57
